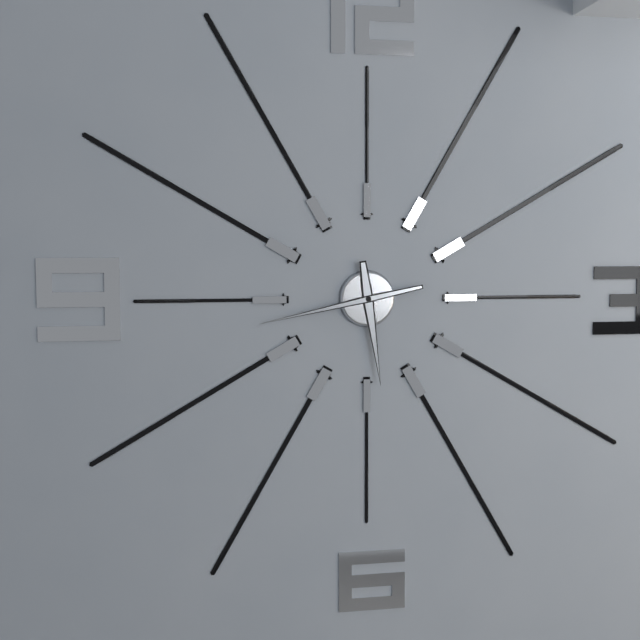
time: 5:43
